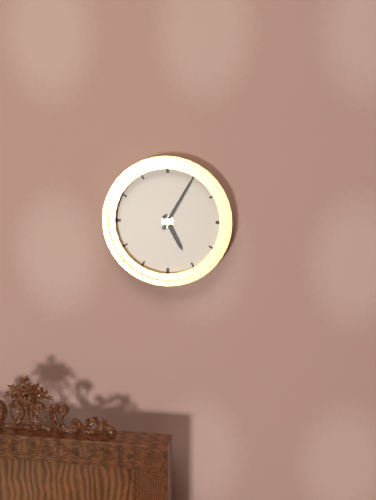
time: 5:05
